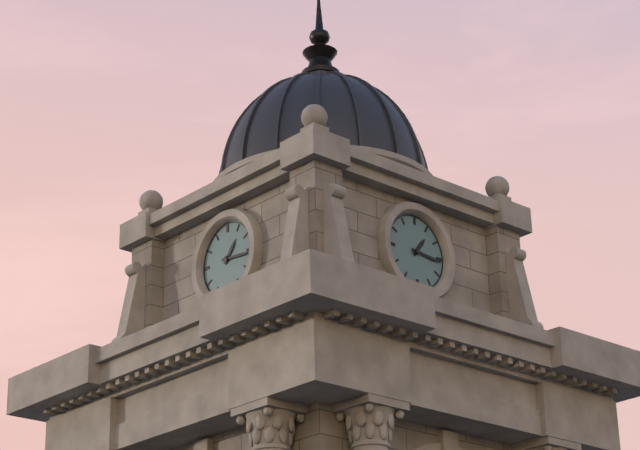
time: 1:16
